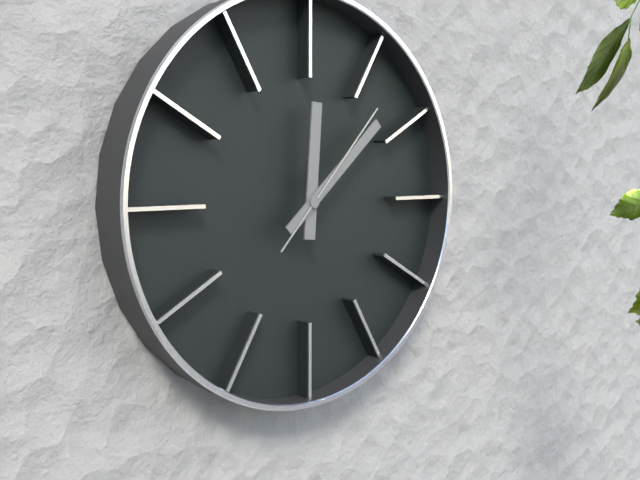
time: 12:08:07
